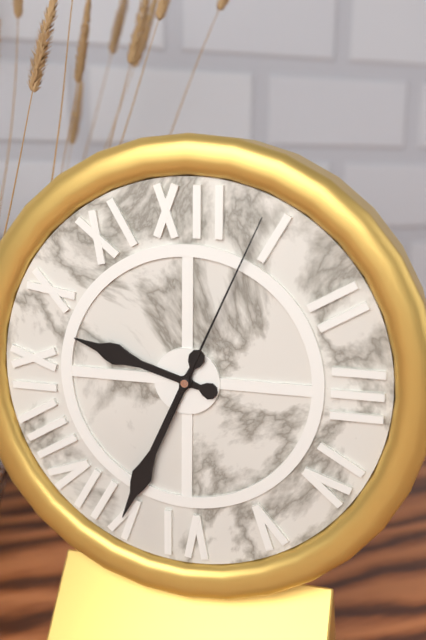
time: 9:34:04
